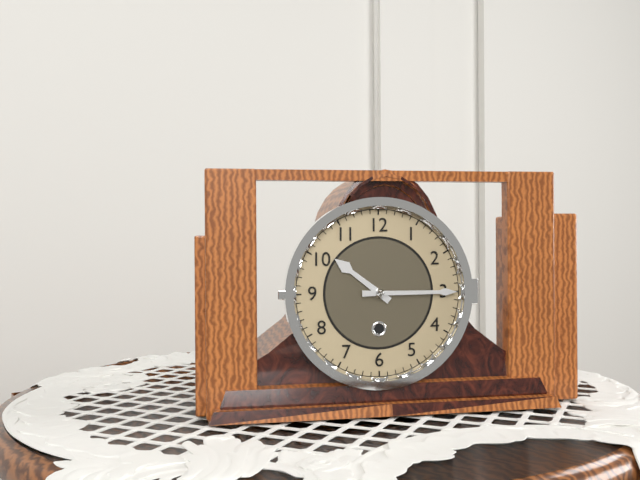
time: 10:15
